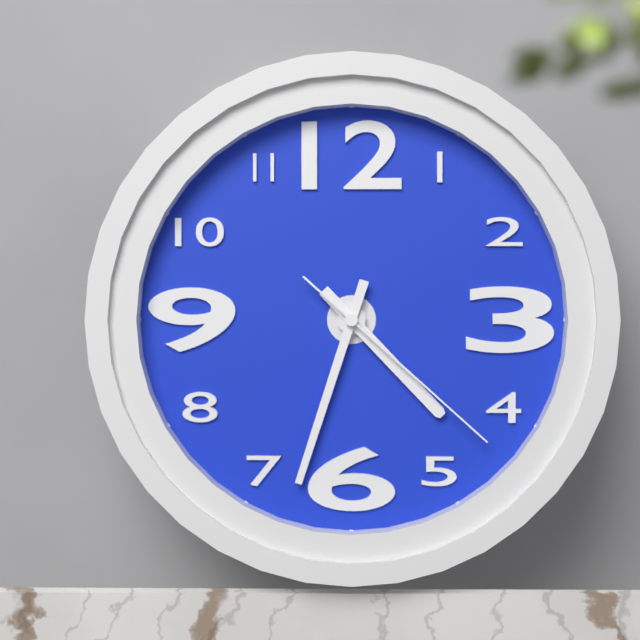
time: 4:33:22
